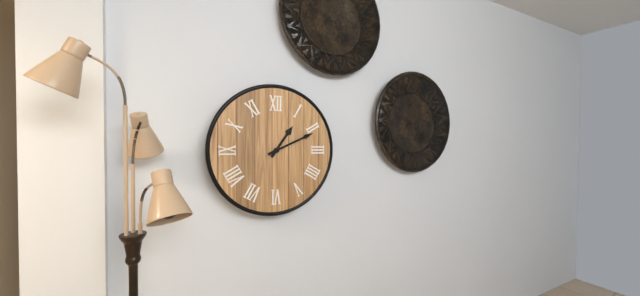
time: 1:11
